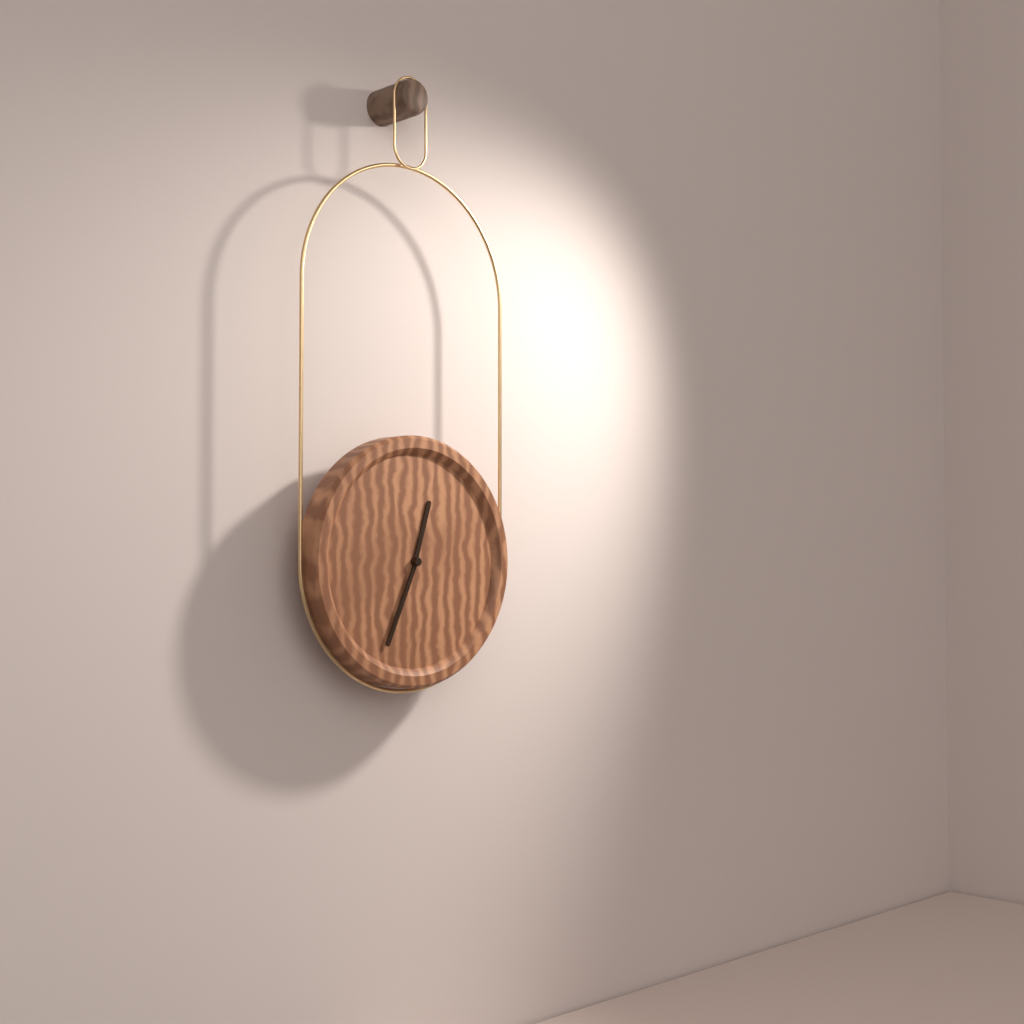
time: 12:34
